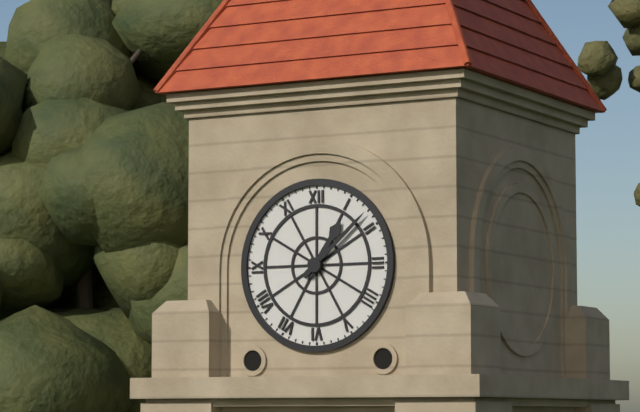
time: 1:08
